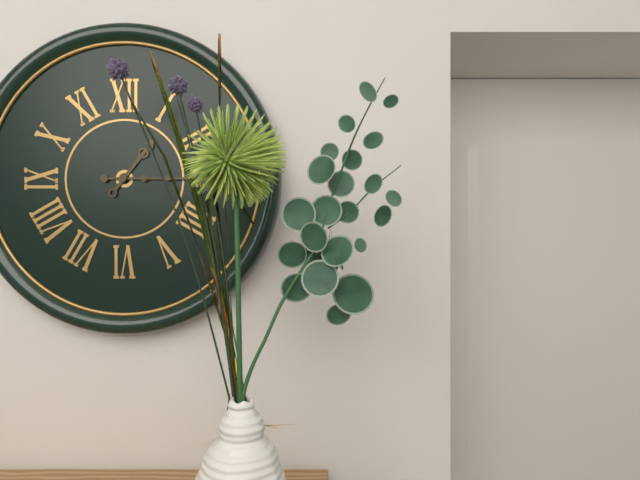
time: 1:15
